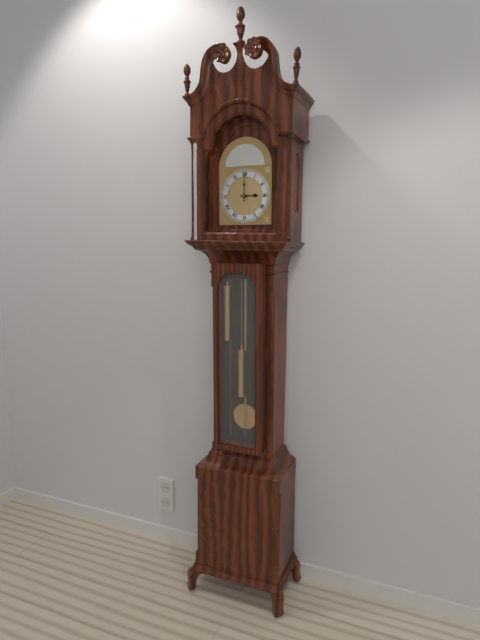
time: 3:00
